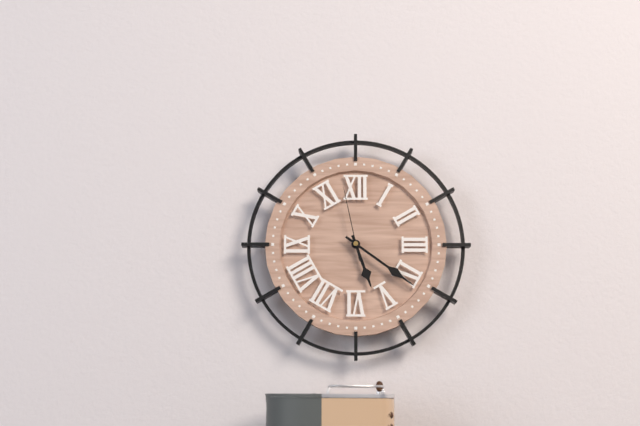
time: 5:21:58
